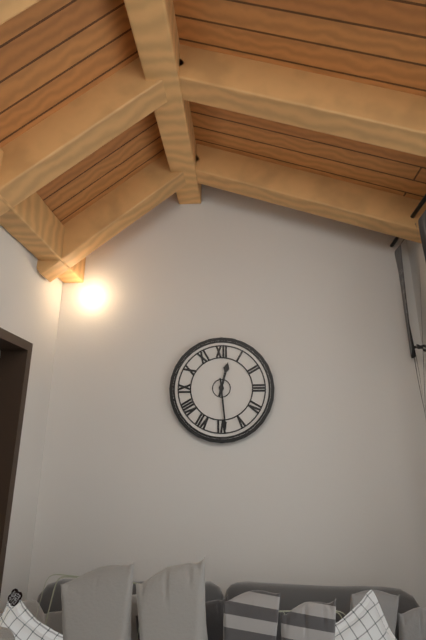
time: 12:29
